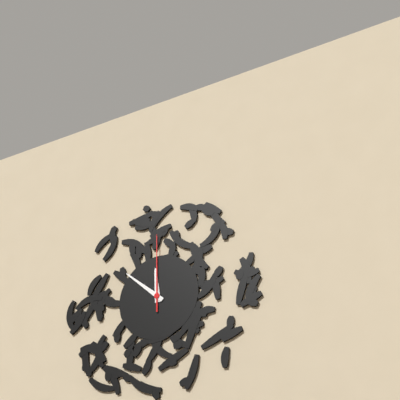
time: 11:52:00
